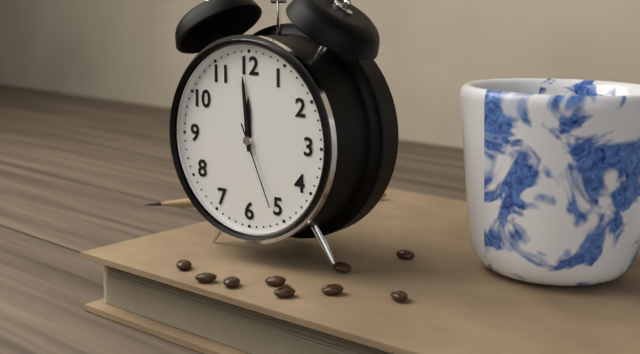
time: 11:59:26
